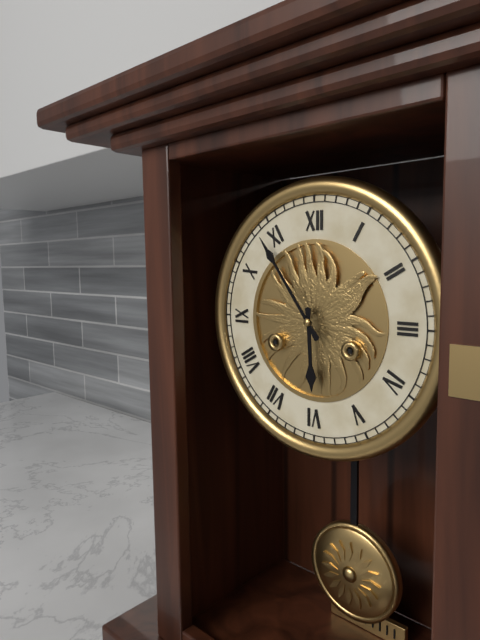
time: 5:54
